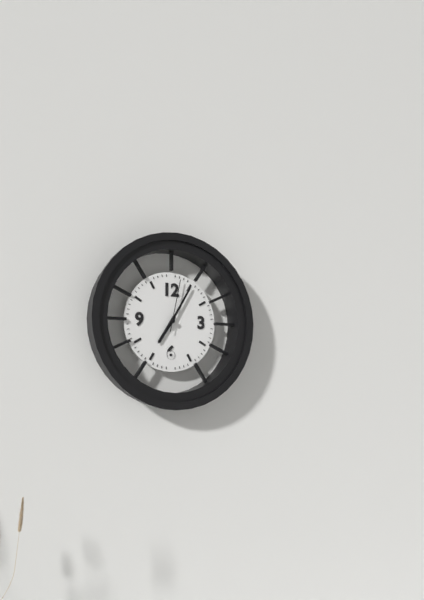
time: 7:05:02
